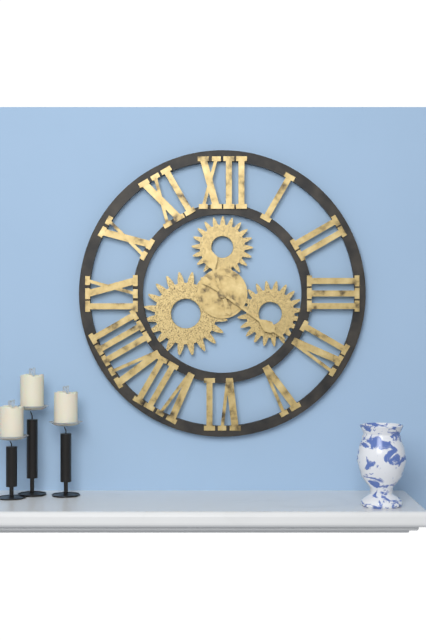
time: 11:21
